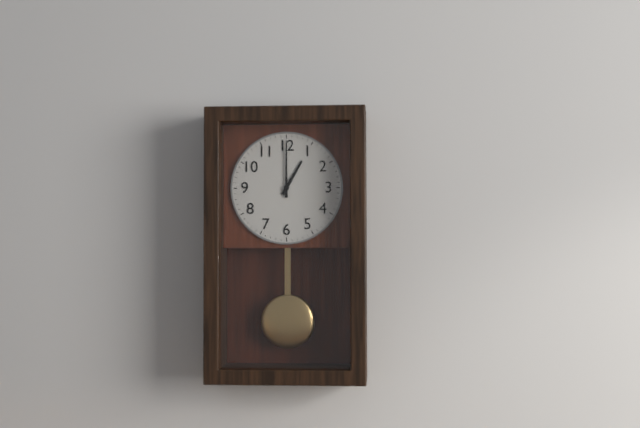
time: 1:00
